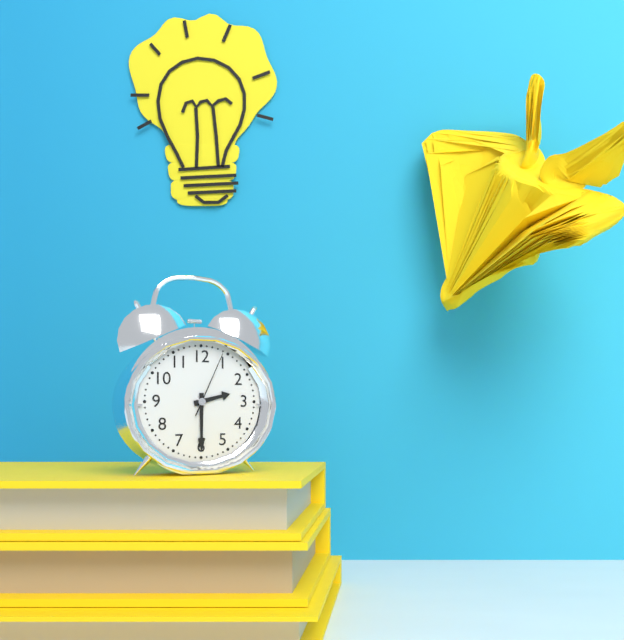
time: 2:30:04
